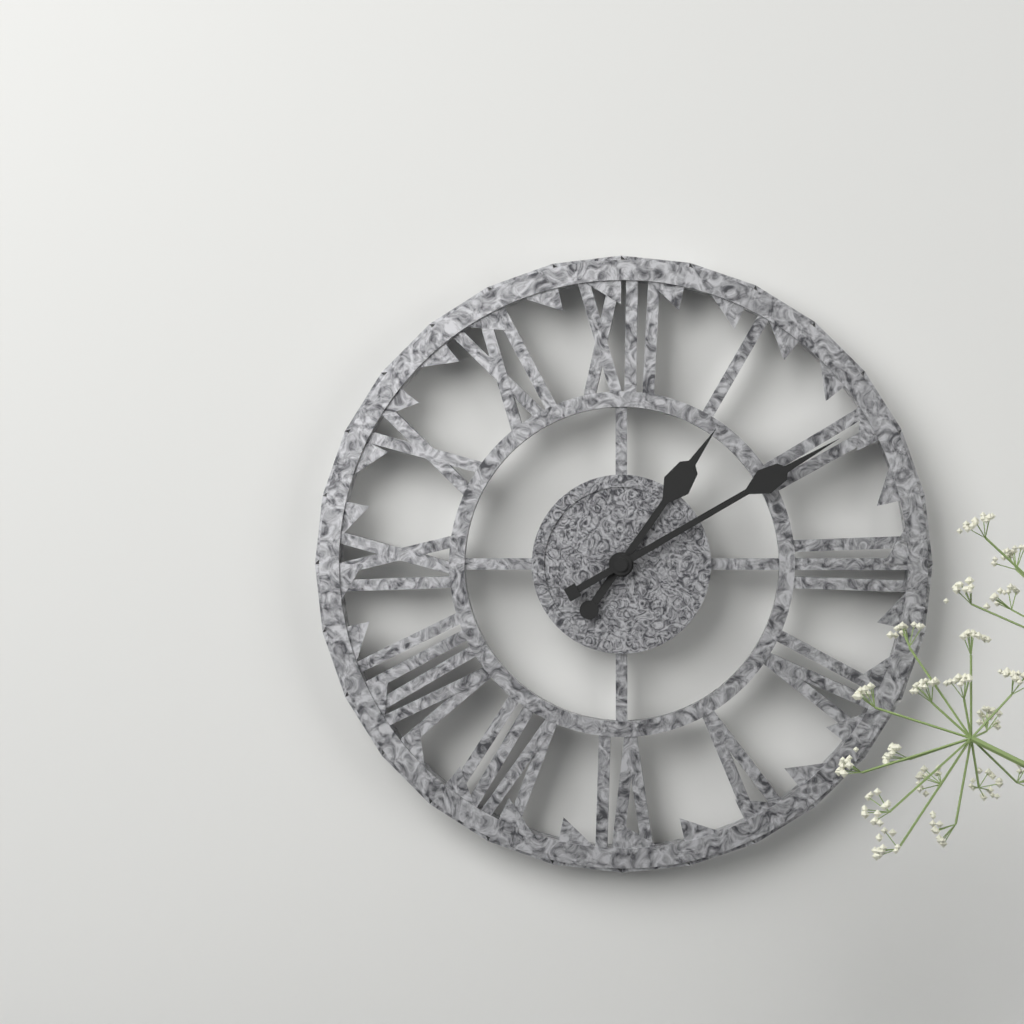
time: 1:10
